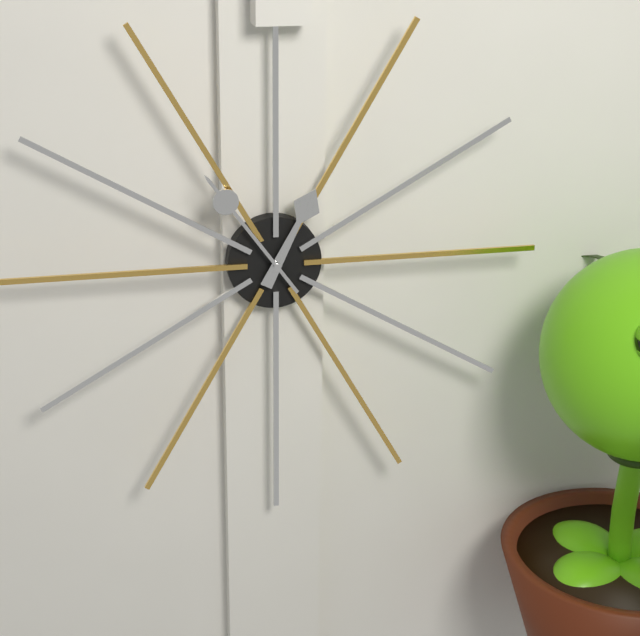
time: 12:54
